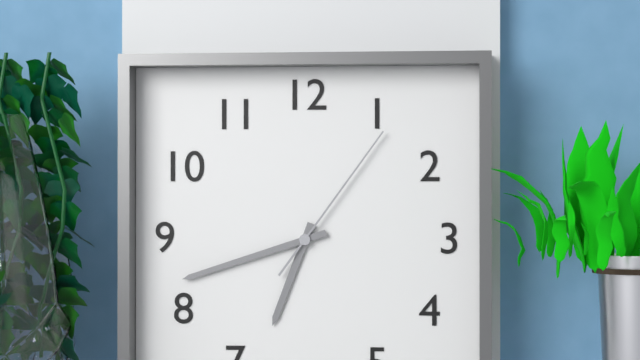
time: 6:42:06
